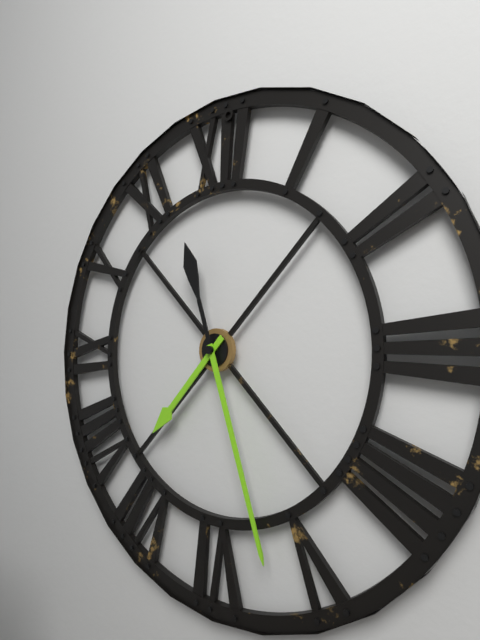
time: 7:27
